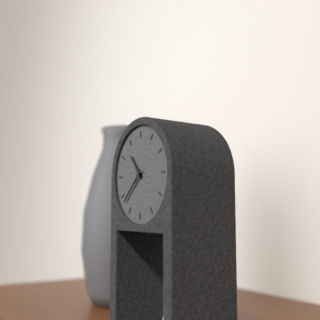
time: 10:38
